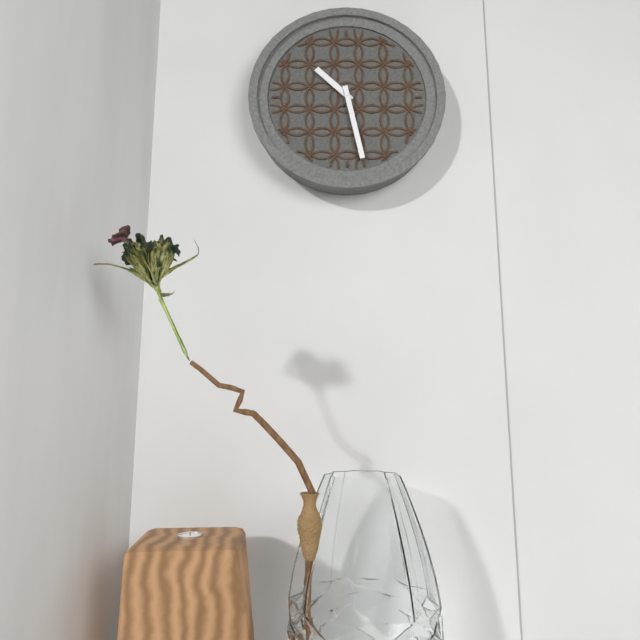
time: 10:28
